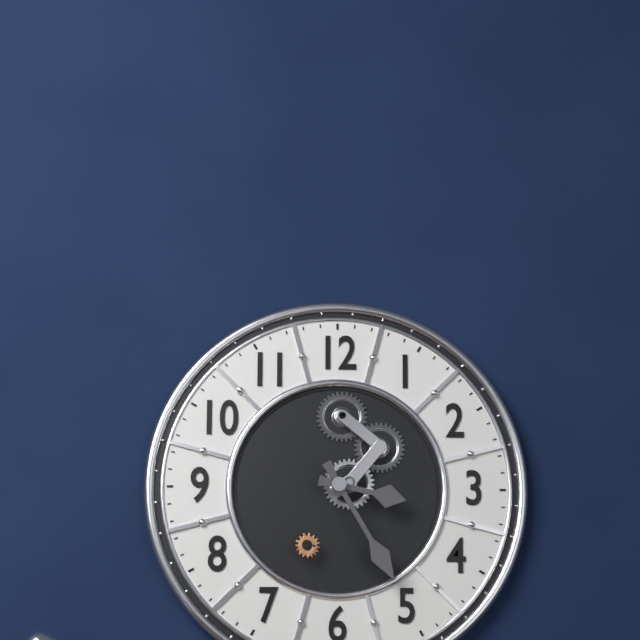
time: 3:25
